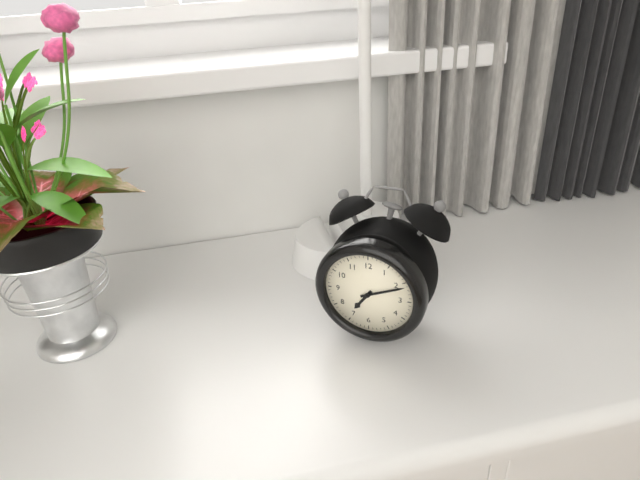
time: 7:11
